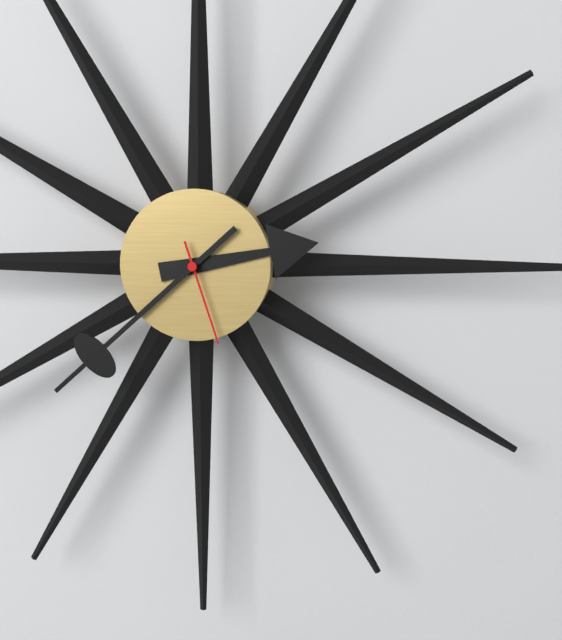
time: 2:38:27
